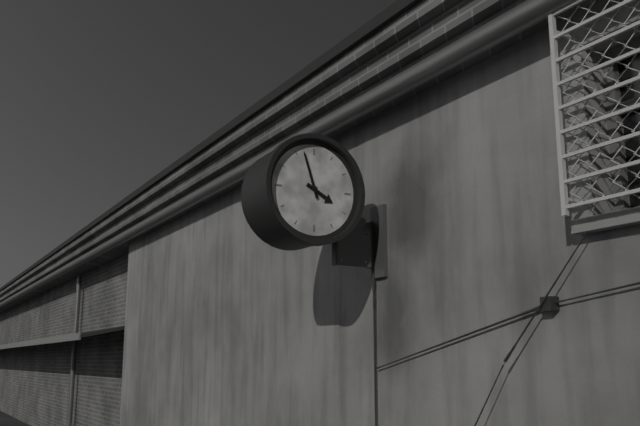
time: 3:57
